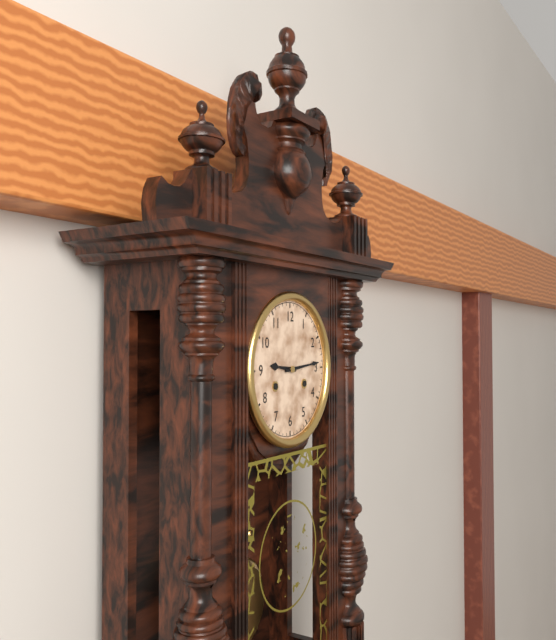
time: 9:14
